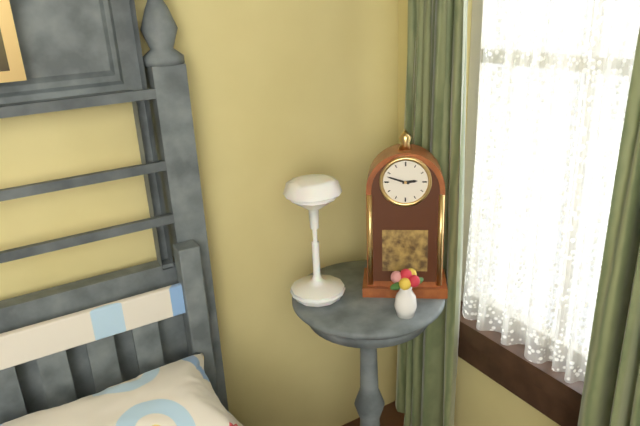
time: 2:48
